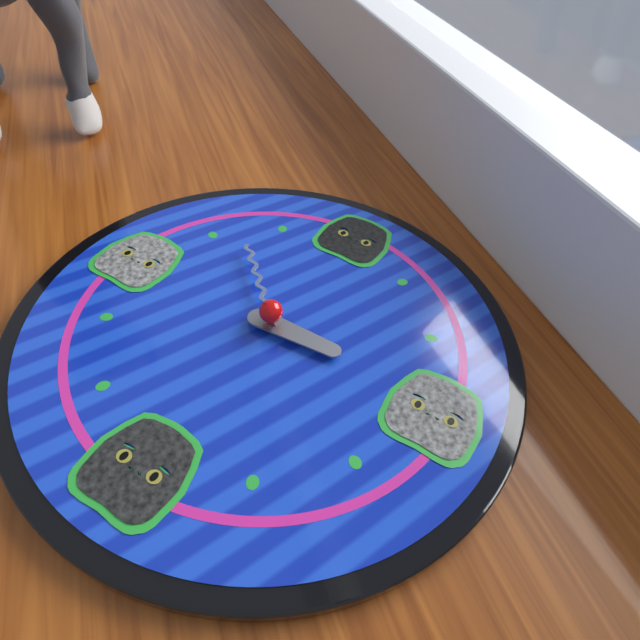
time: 2:52
